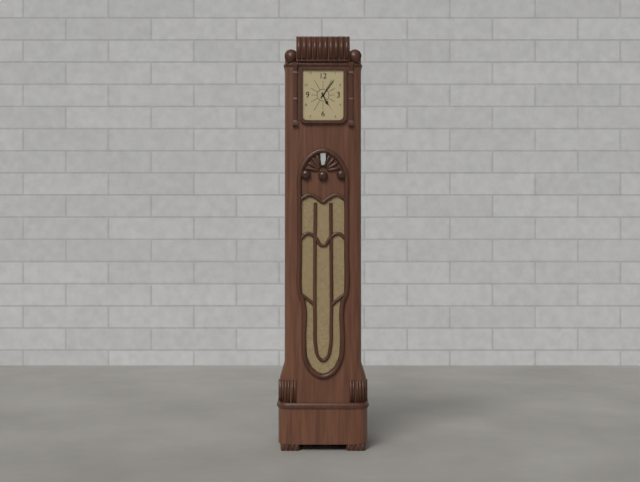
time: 5:06
